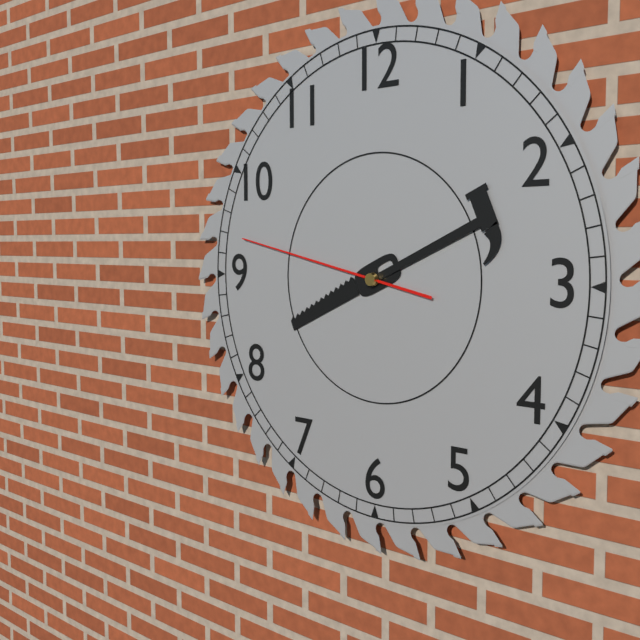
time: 8:11:47
